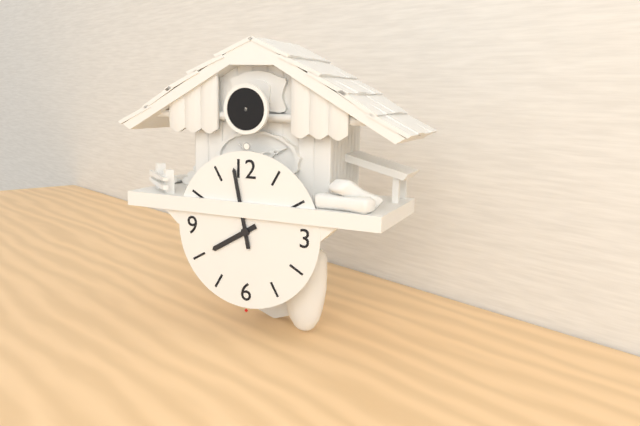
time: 7:58
